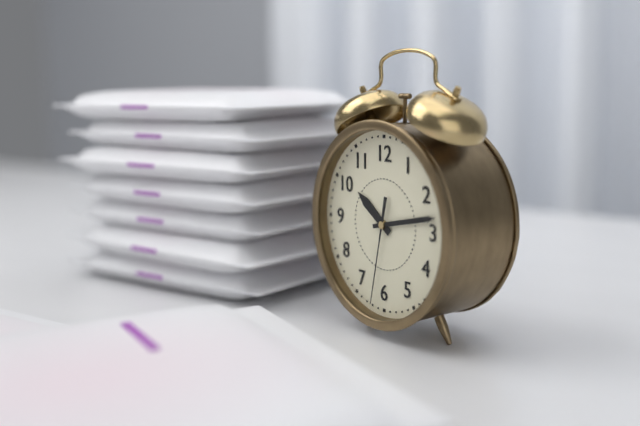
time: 10:13:32
